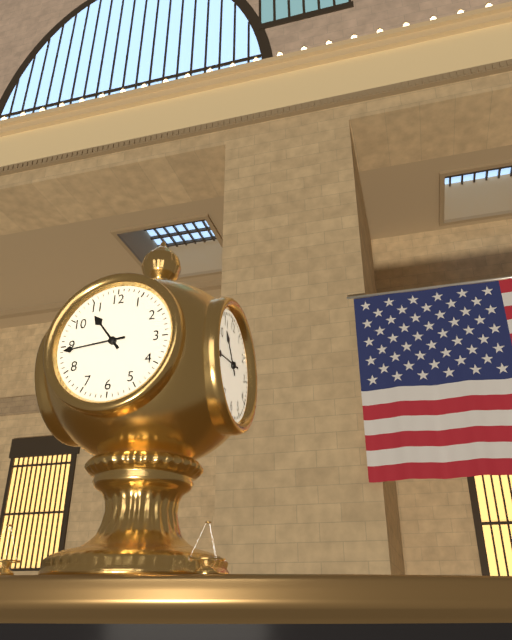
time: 10:44
